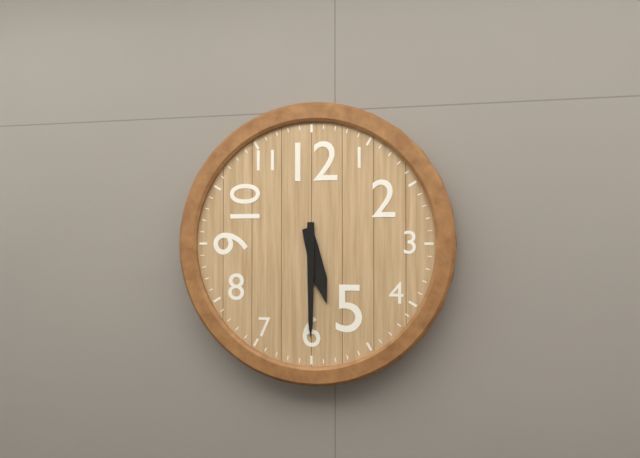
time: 5:30
